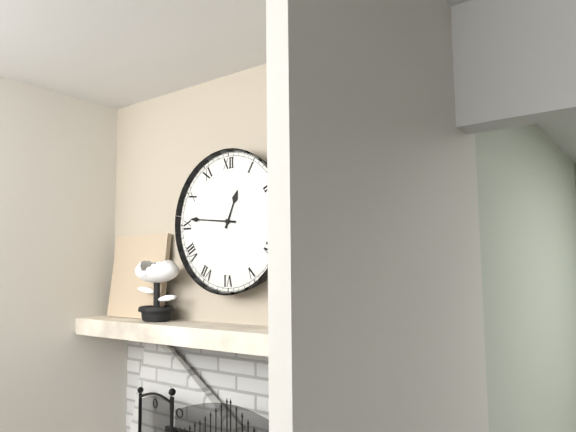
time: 12:46
